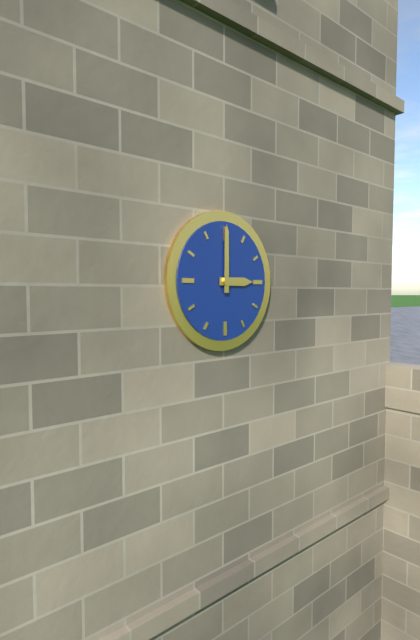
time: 3:00
